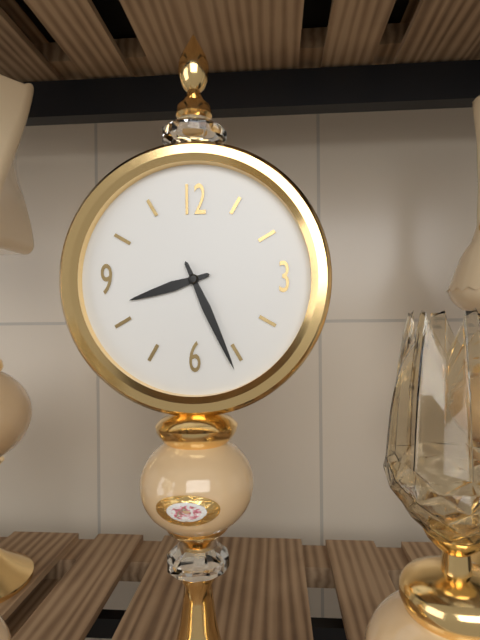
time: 8:26
